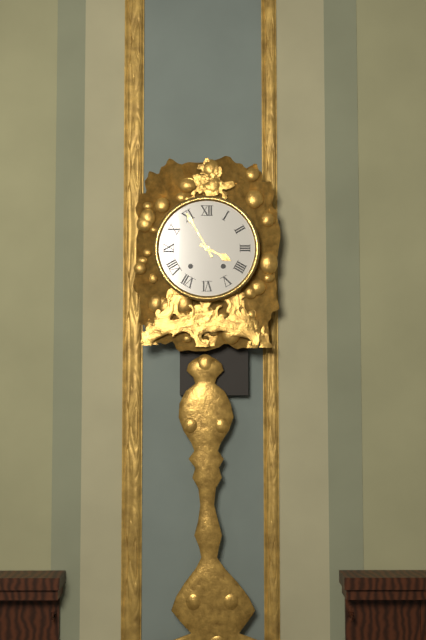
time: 3:55
